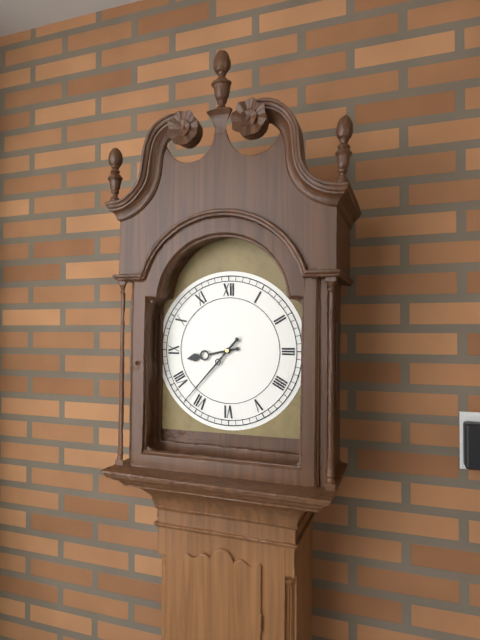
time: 8:37
